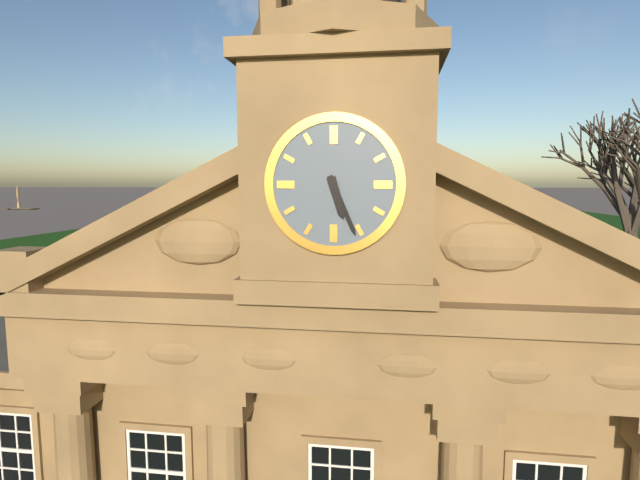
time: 5:26
